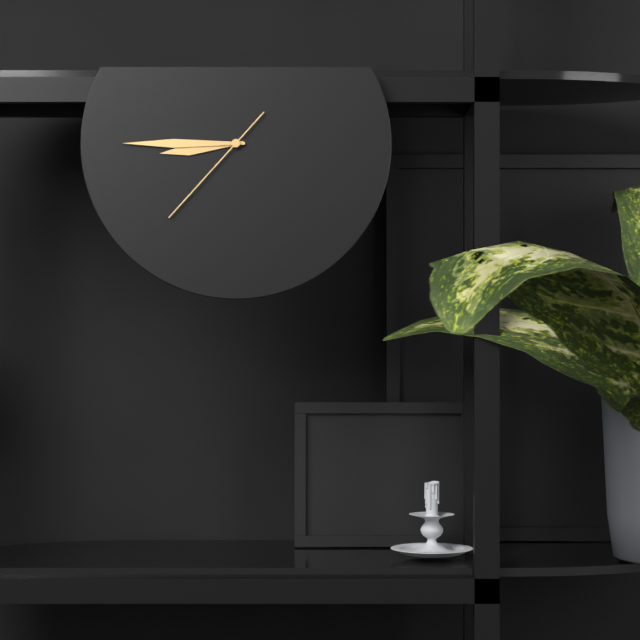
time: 8:45:37
